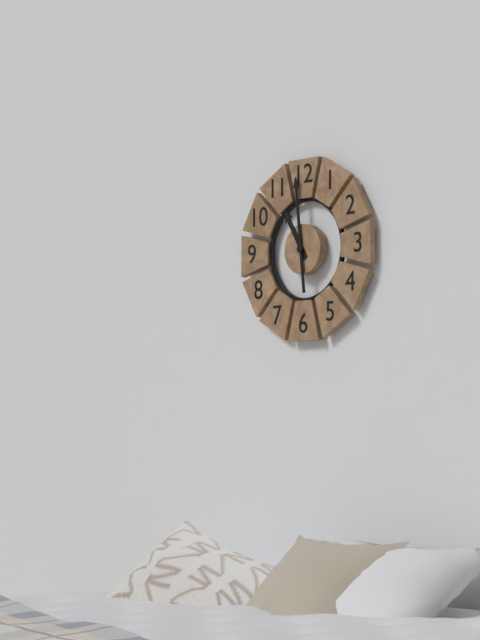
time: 10:59
